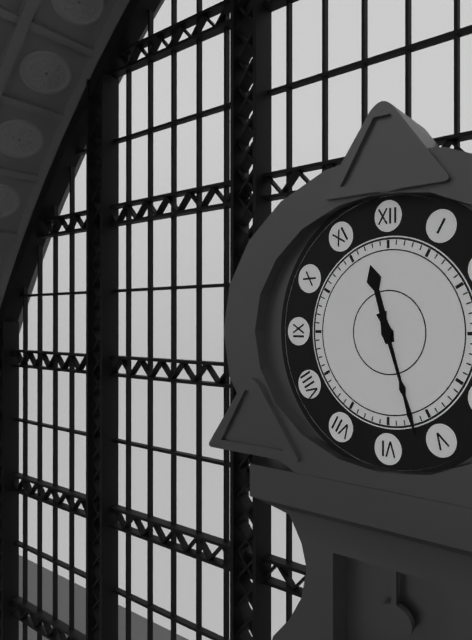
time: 11:27
